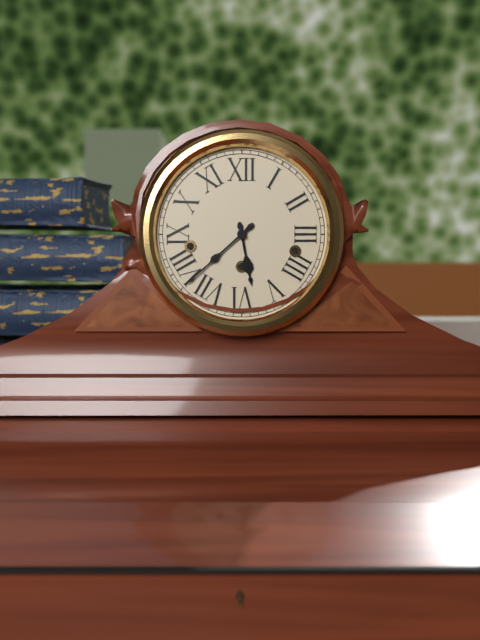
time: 5:38
